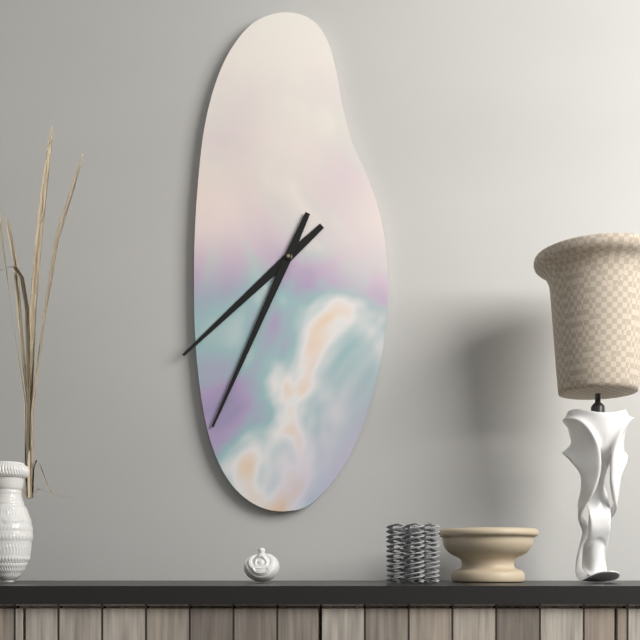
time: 7:34
